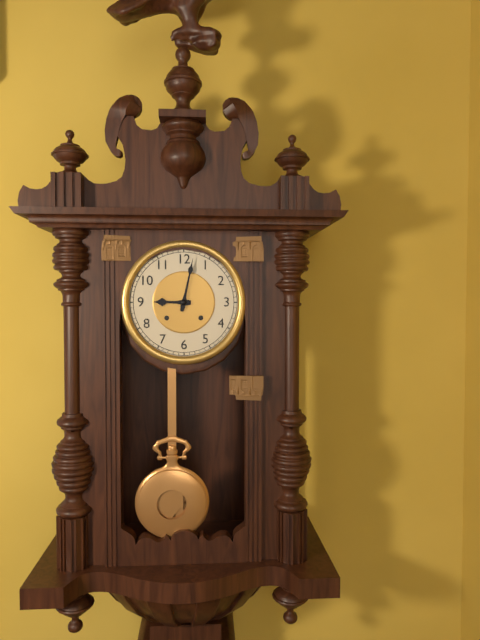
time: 9:02
